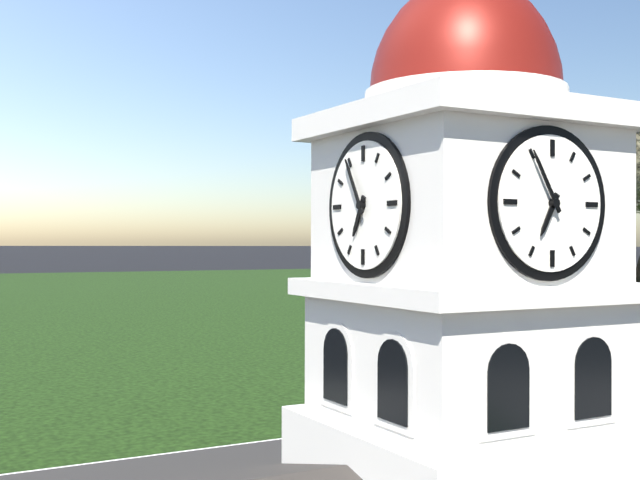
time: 6:55
